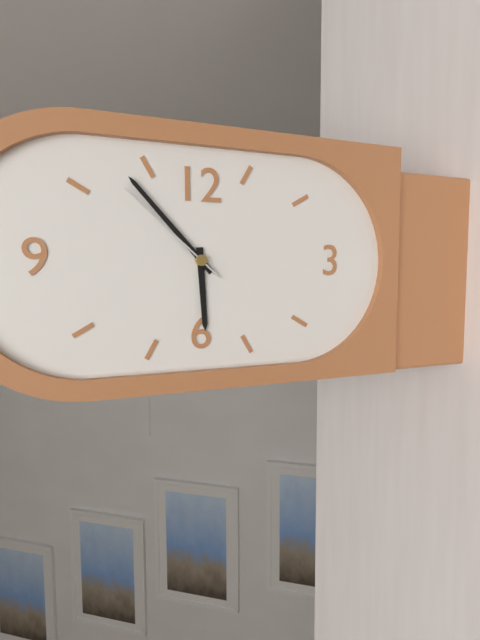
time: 5:53:52
